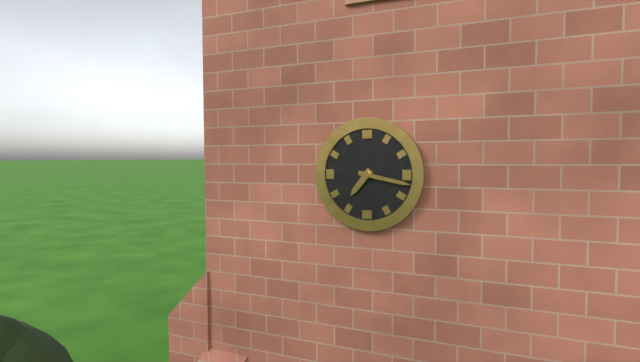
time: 7:17
